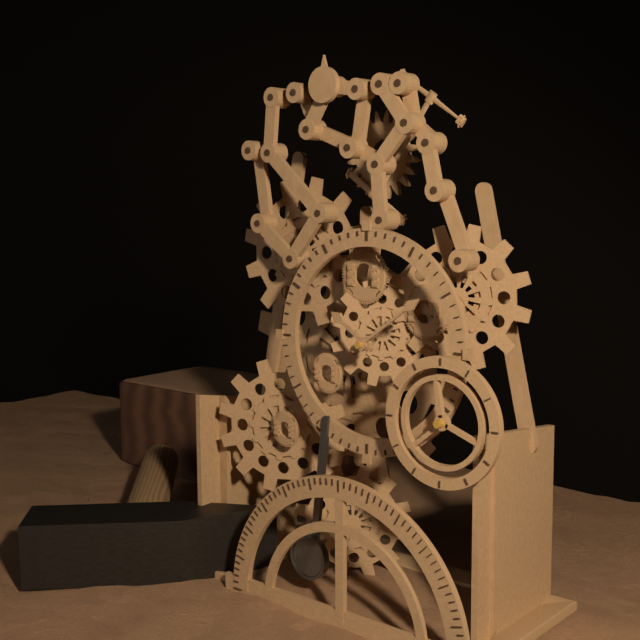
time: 10:09
